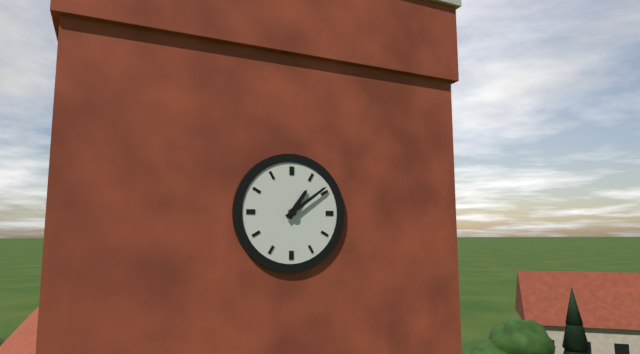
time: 1:09
